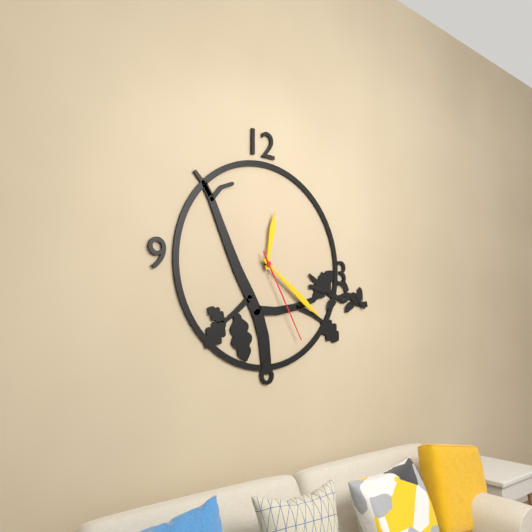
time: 12:21:25
